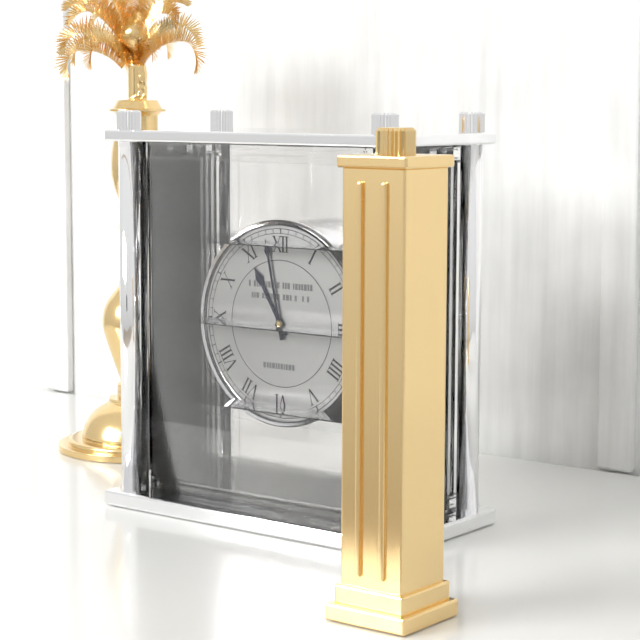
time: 10:58
